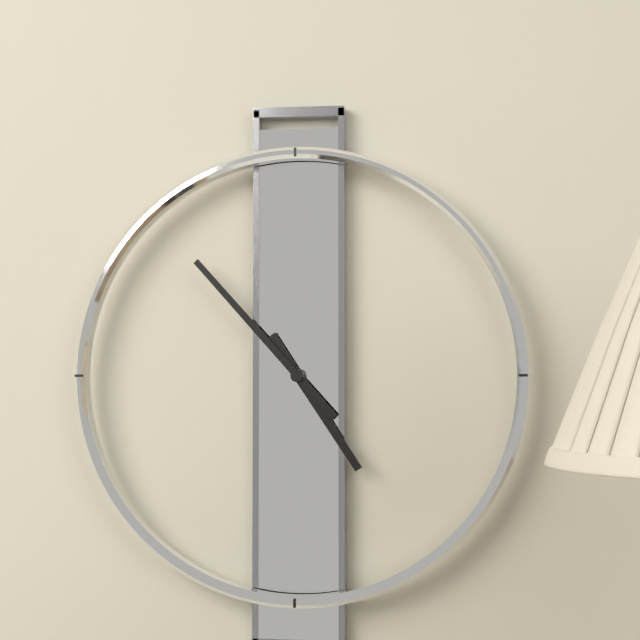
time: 4:53
